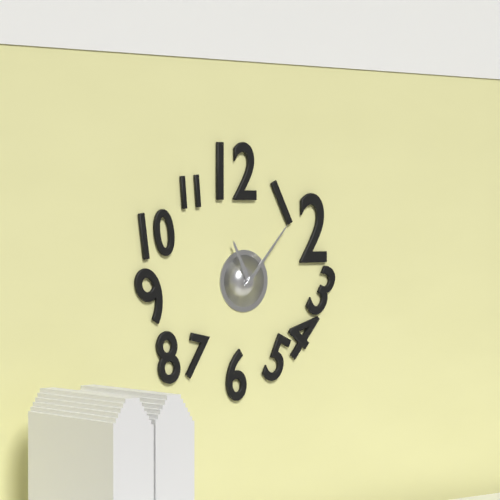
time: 11:07
